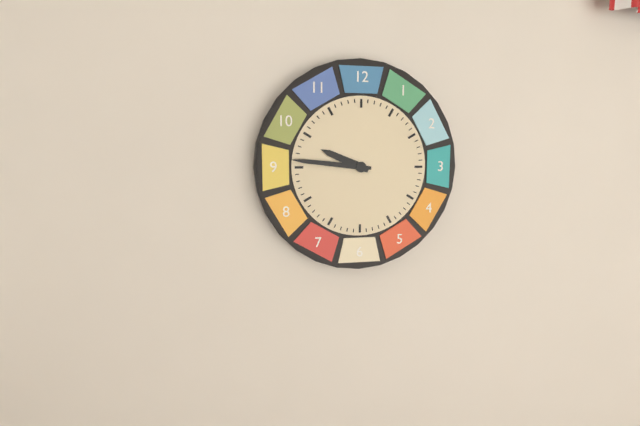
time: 9:46
